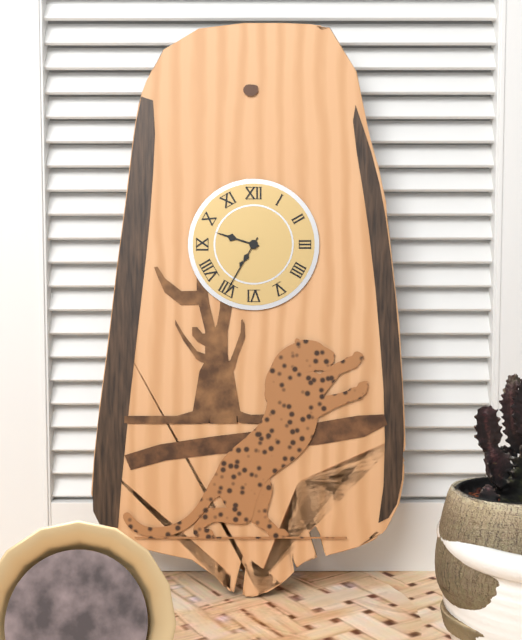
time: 9:35
